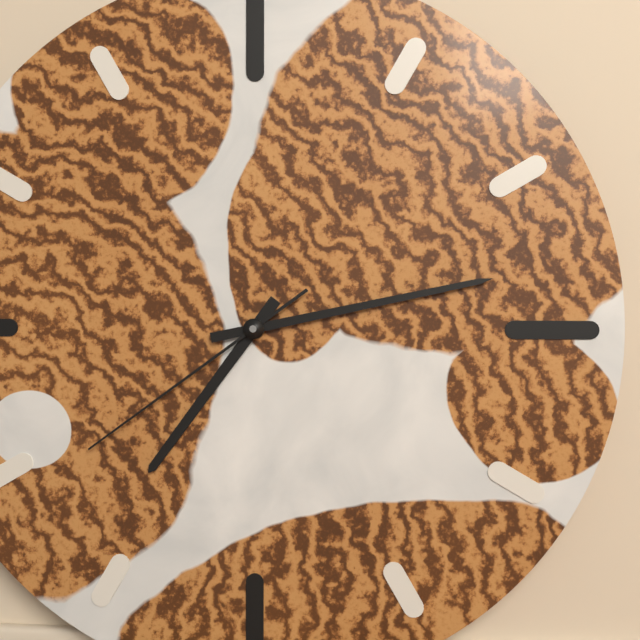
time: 7:13:39
